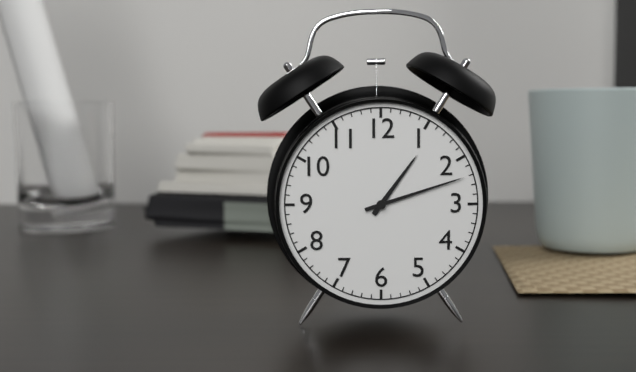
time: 1:12
